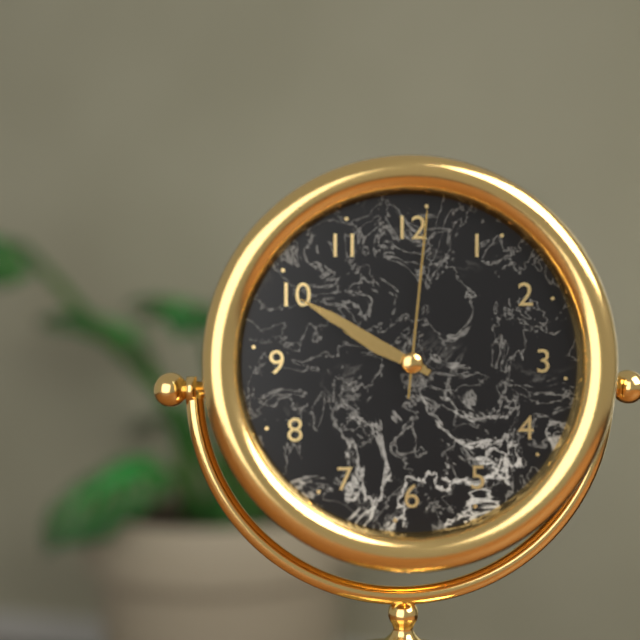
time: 9:50:01
